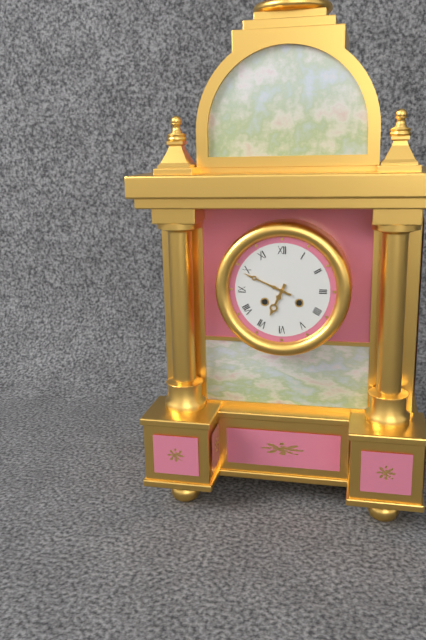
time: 6:49
